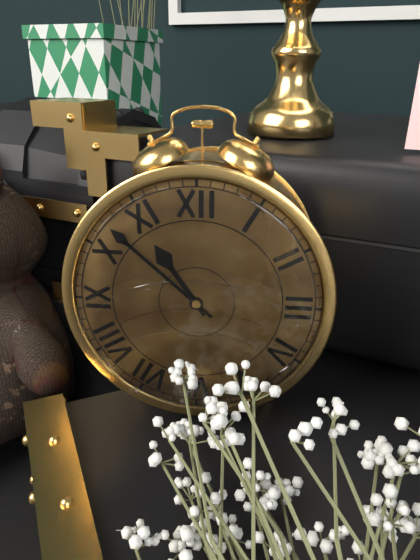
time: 10:52
